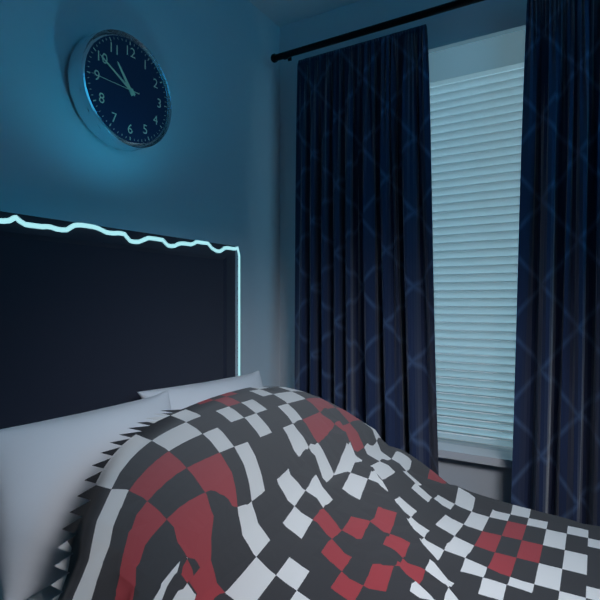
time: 10:50:45
